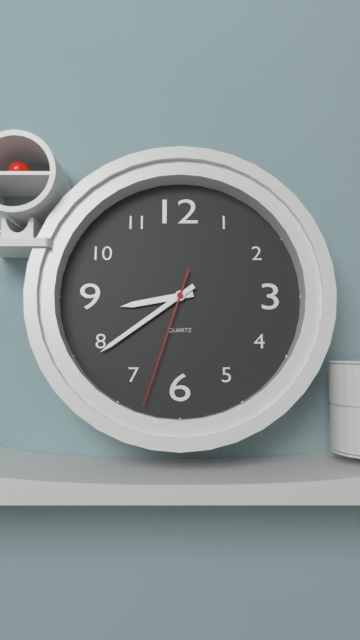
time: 8:39:33
